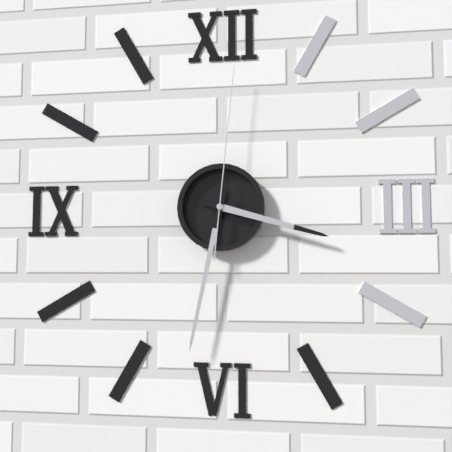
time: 3:32:01
